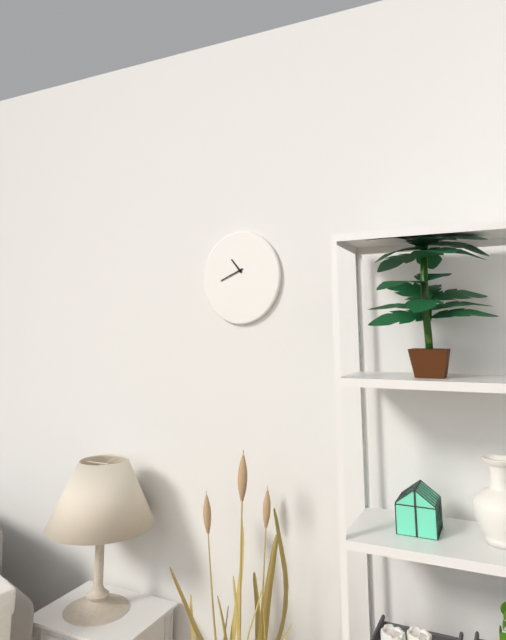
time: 10:41
